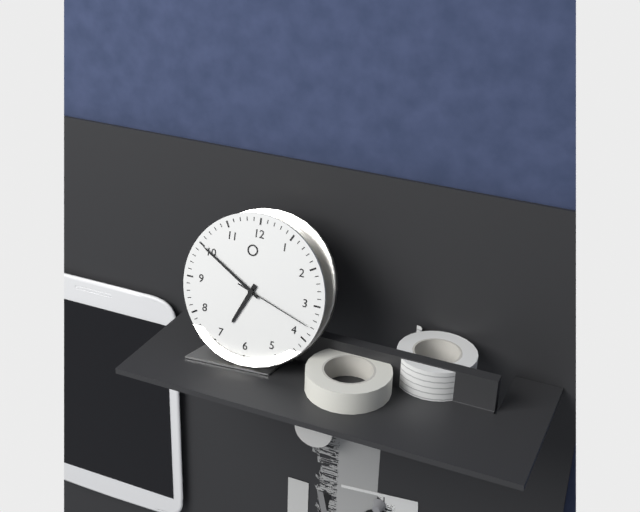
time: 6:50:18
